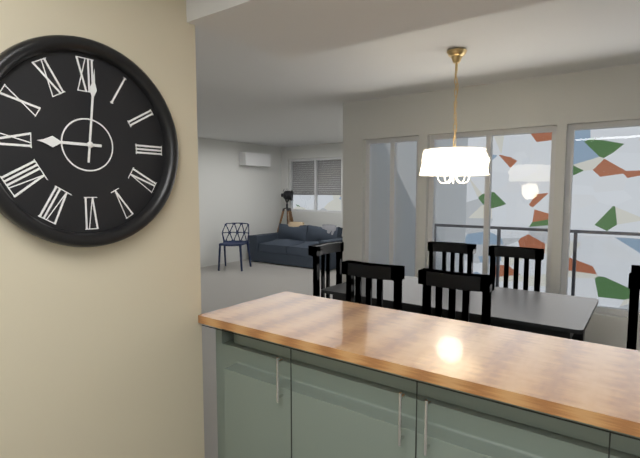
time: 9:01
